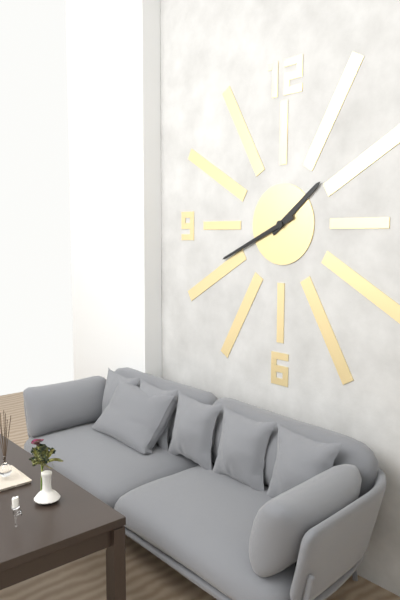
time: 1:41
